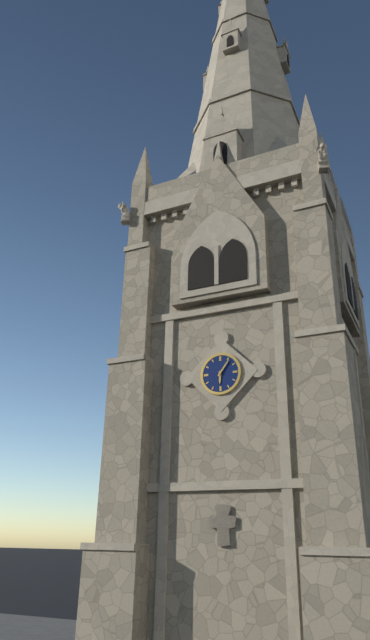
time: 6:06
